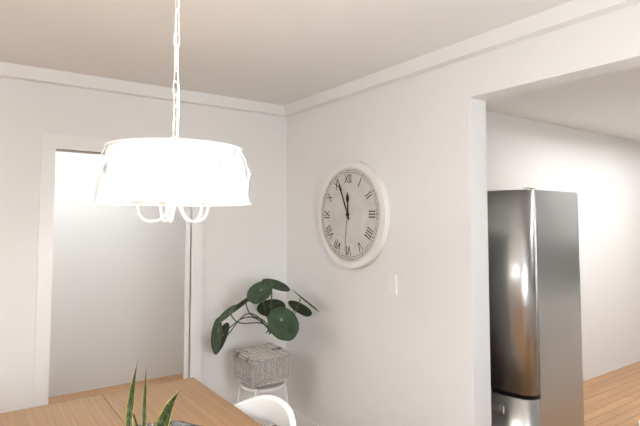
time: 11:56
